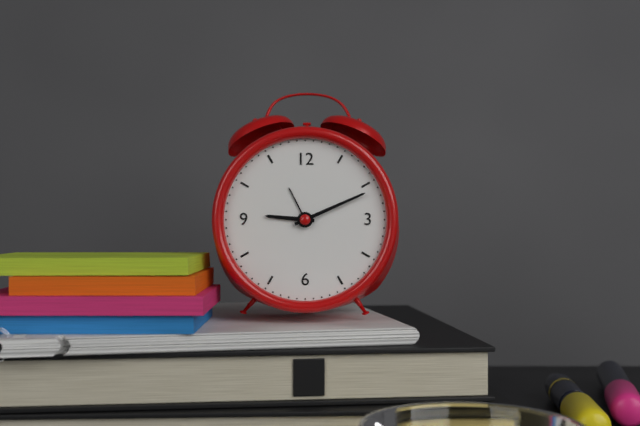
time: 9:11
